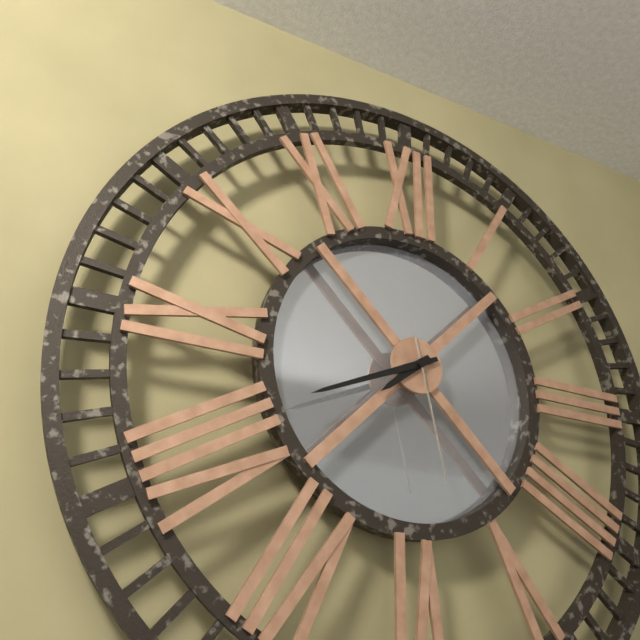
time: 7:41:28
